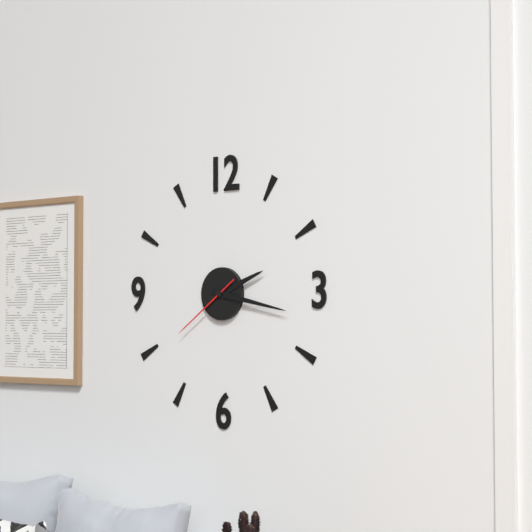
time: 2:17:39
